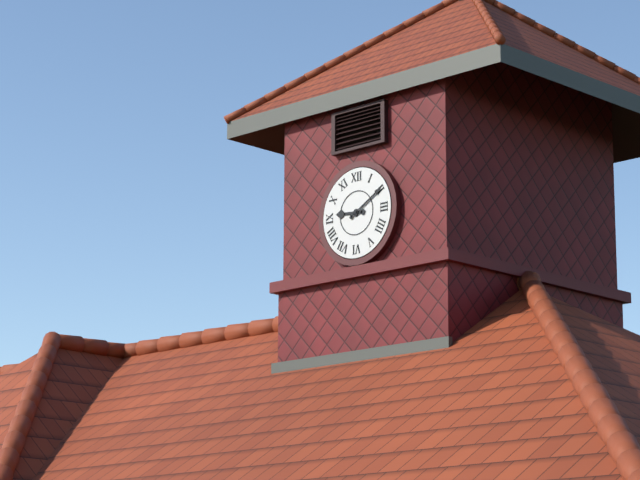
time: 9:10
